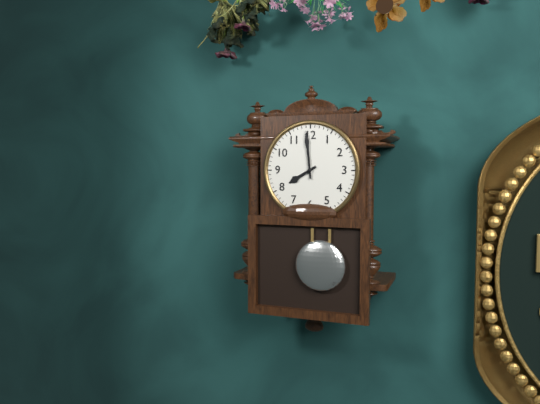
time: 7:59
